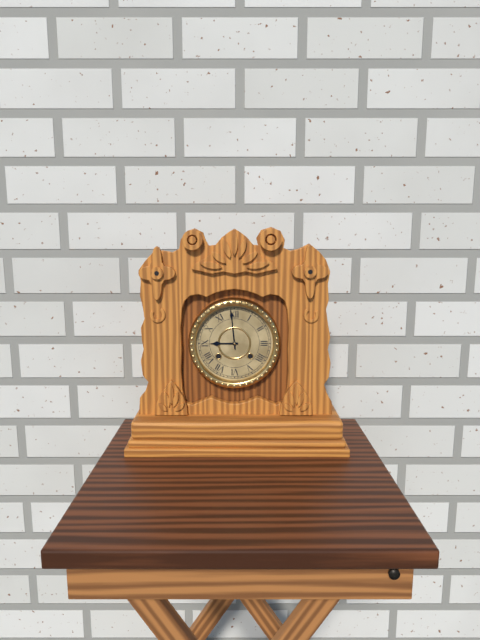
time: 8:59
